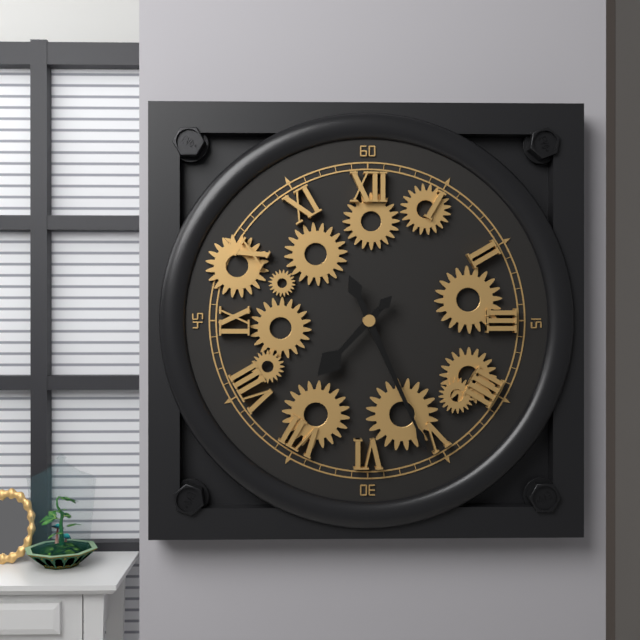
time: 7:26
